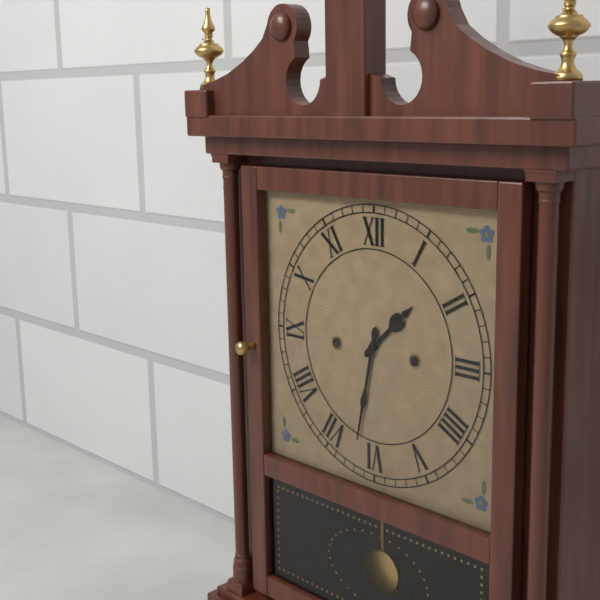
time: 1:32
